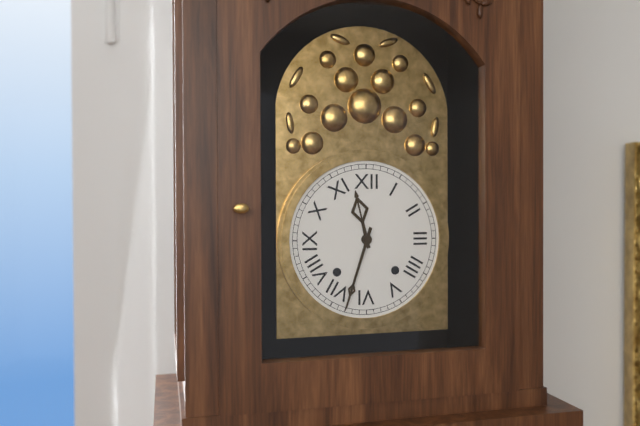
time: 11:33
